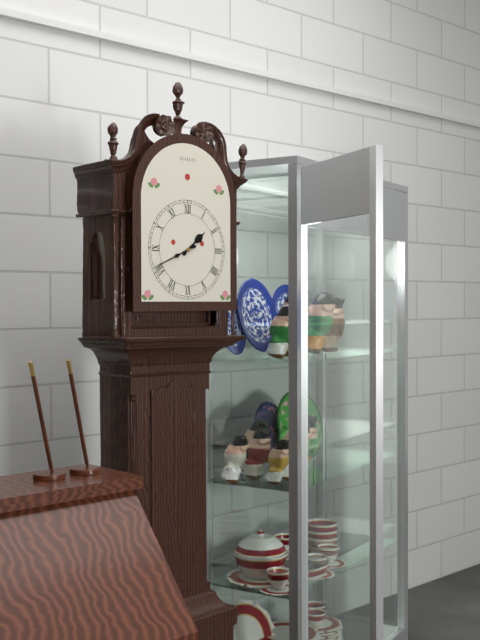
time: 1:41
